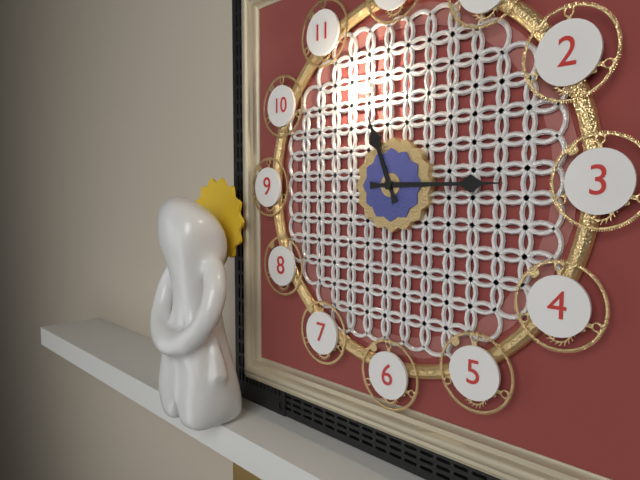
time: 11:15
